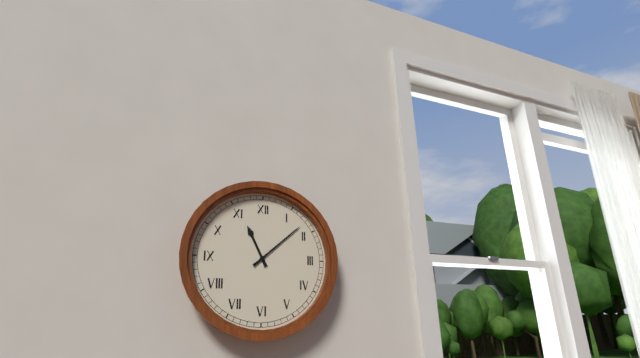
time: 11:08
